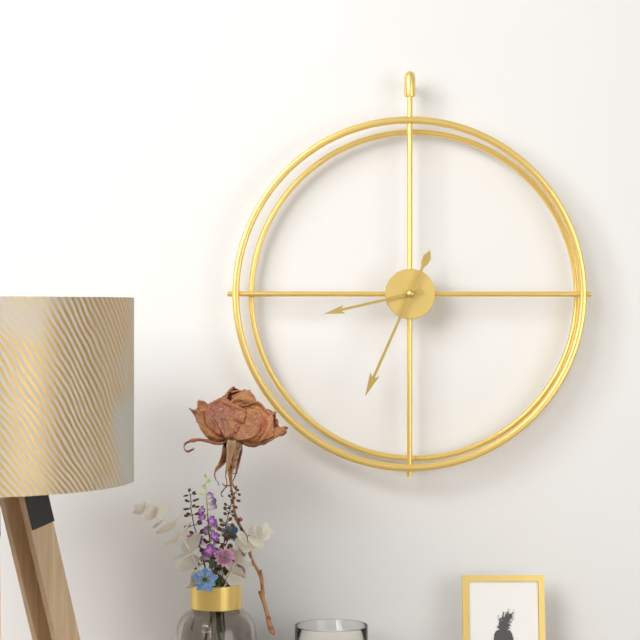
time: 8:34
